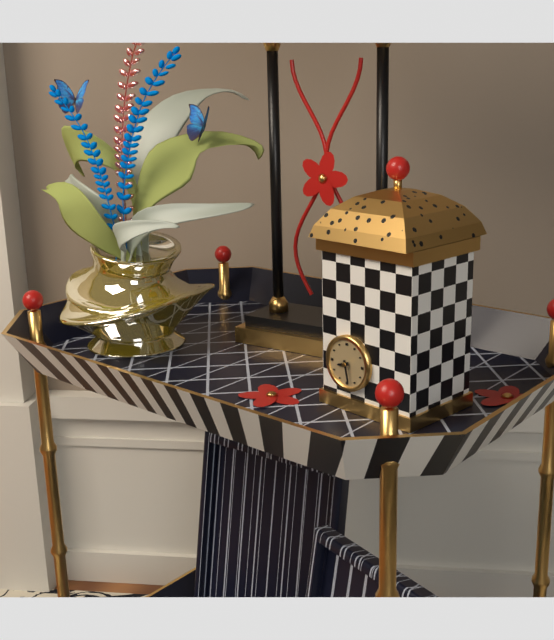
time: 8:28
